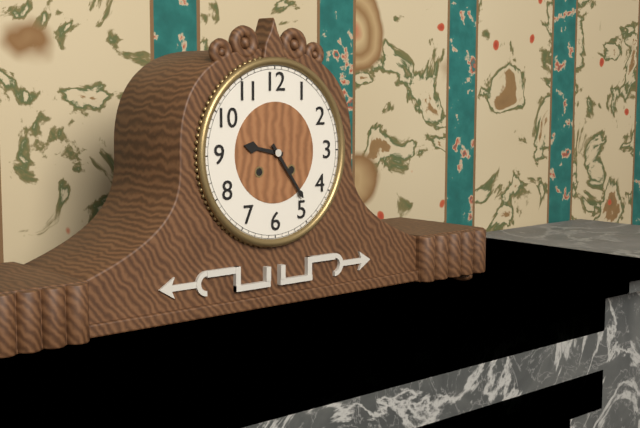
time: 9:24
